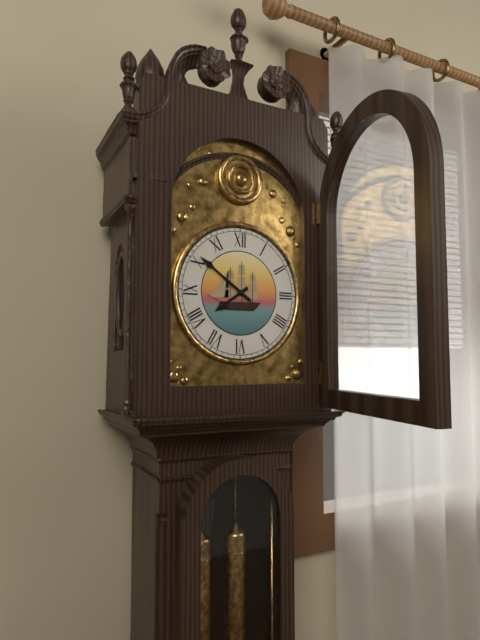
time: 7:51
